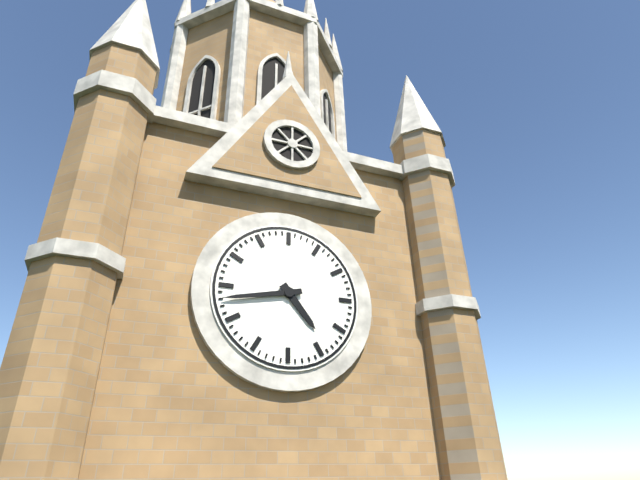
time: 4:43
